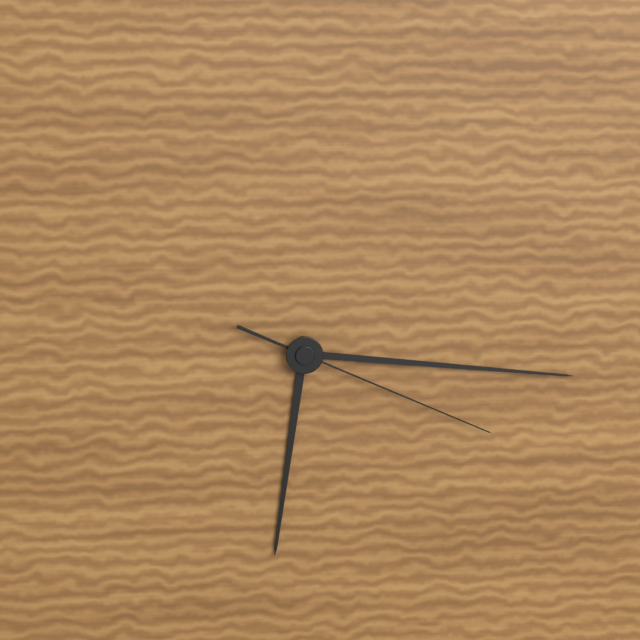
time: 6:16:19
